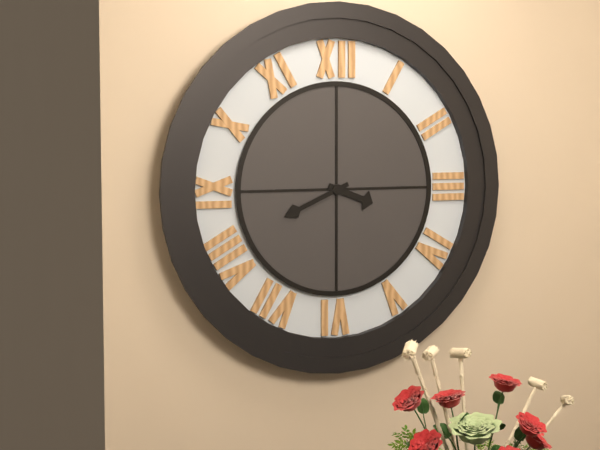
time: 3:41
